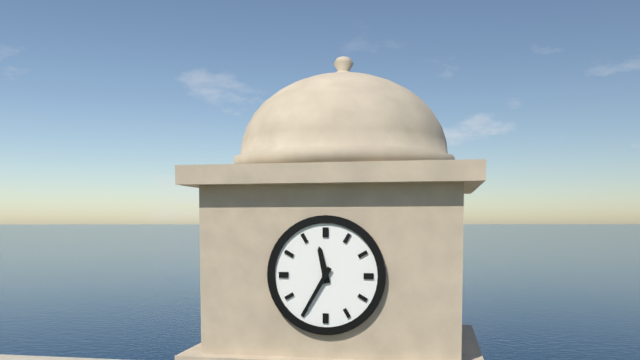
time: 11:35
